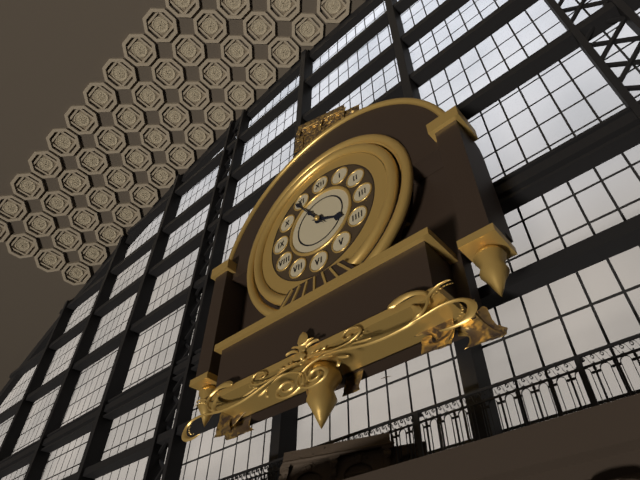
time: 3:54
